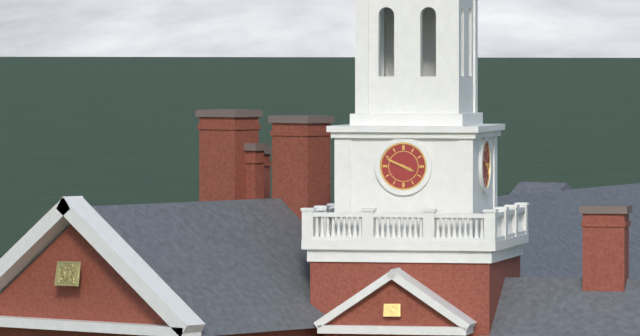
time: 3:49
